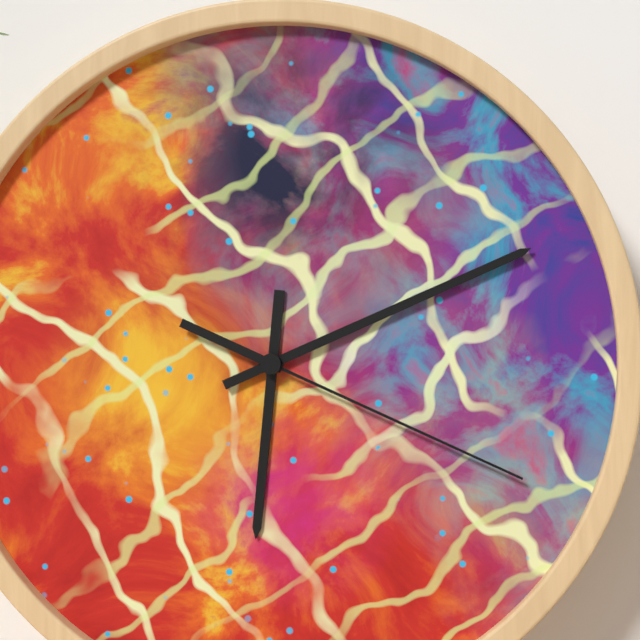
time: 6:11:19
